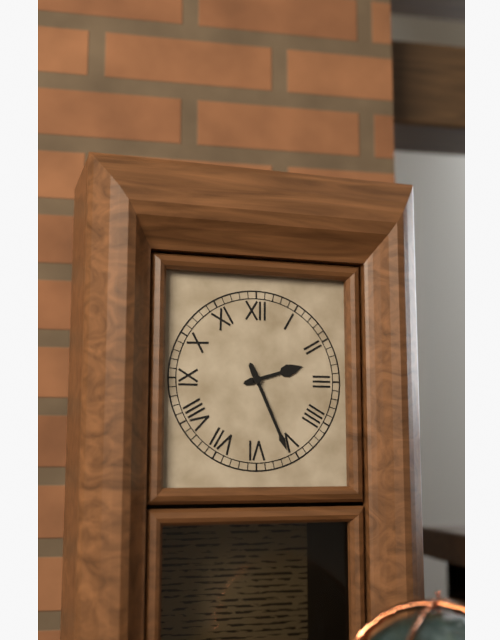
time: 2:26
